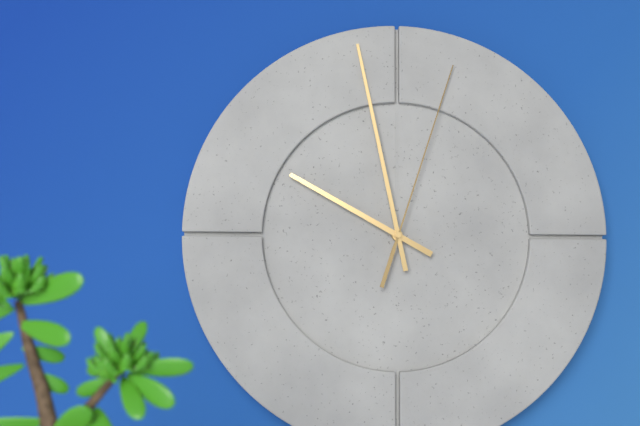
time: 9:58:03
